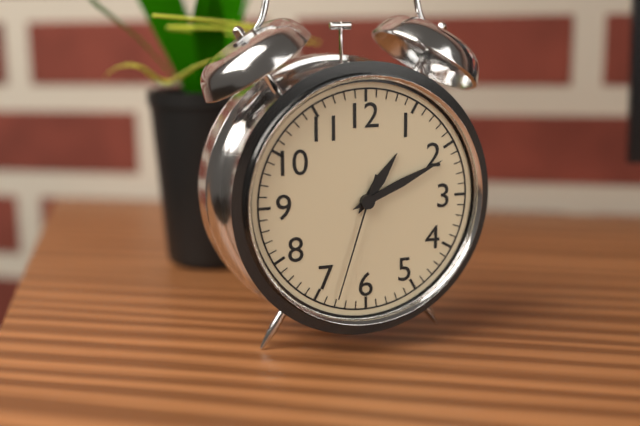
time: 1:11:33
